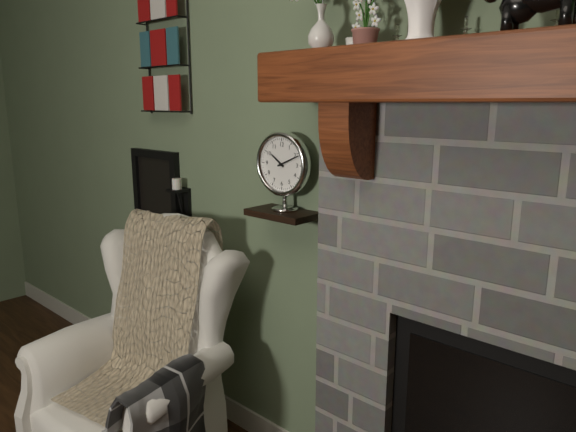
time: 10:11
